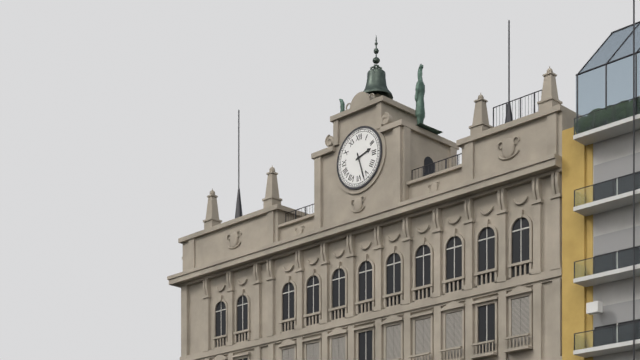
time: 2:27
